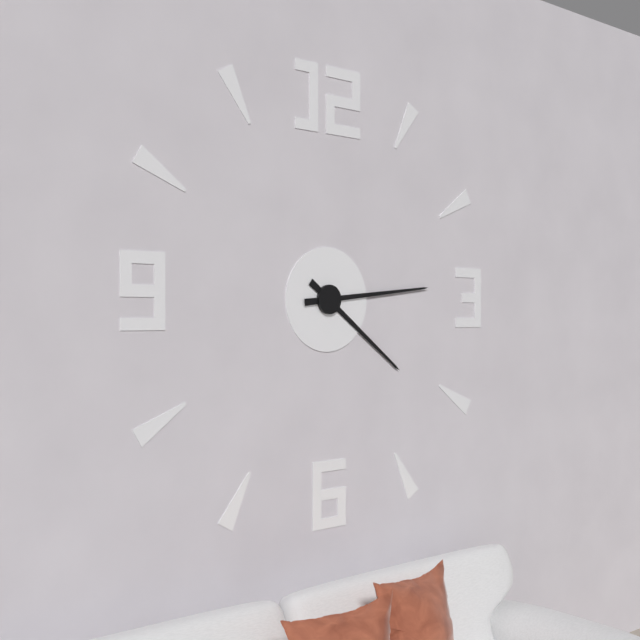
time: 4:14
